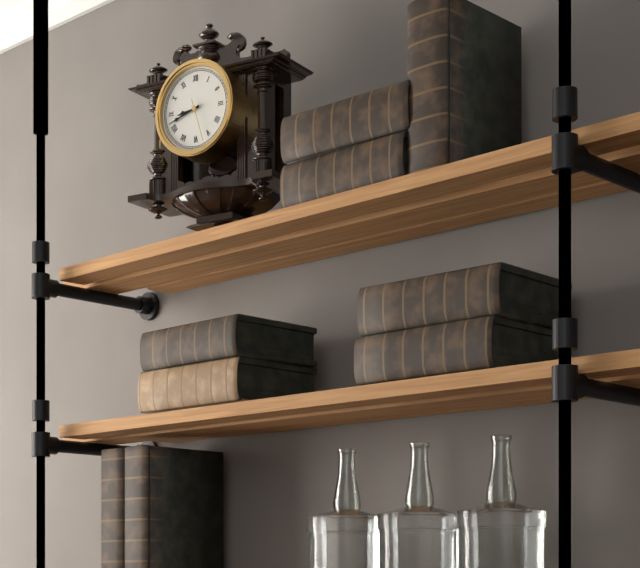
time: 8:42
